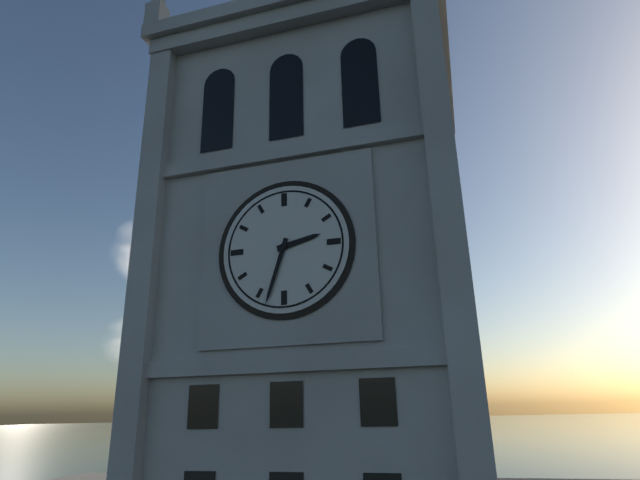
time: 2:33
